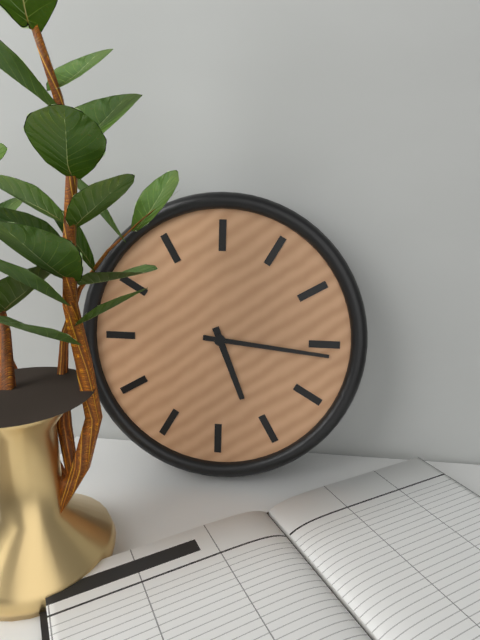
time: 5:16
